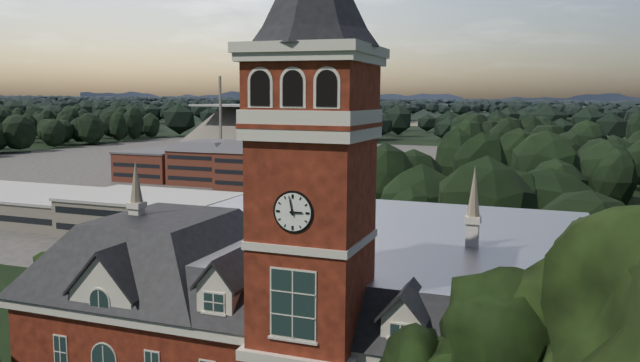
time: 2:58
